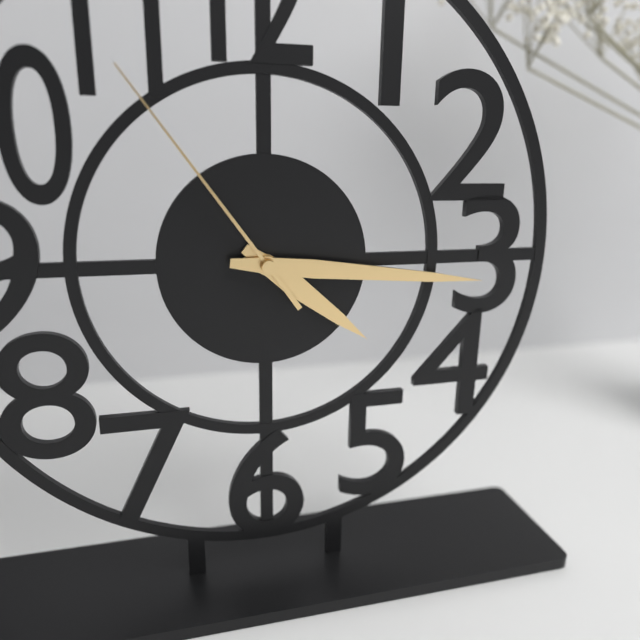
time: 4:16:54
